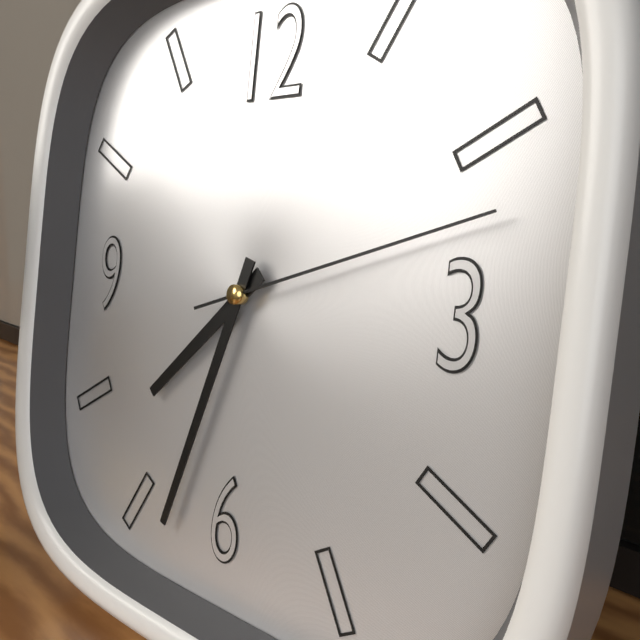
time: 7:33:12
